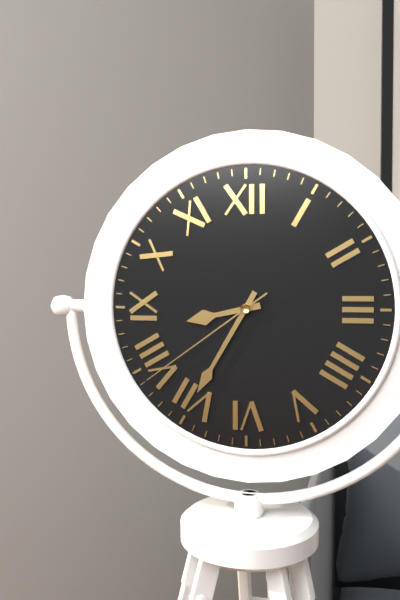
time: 8:35:39
